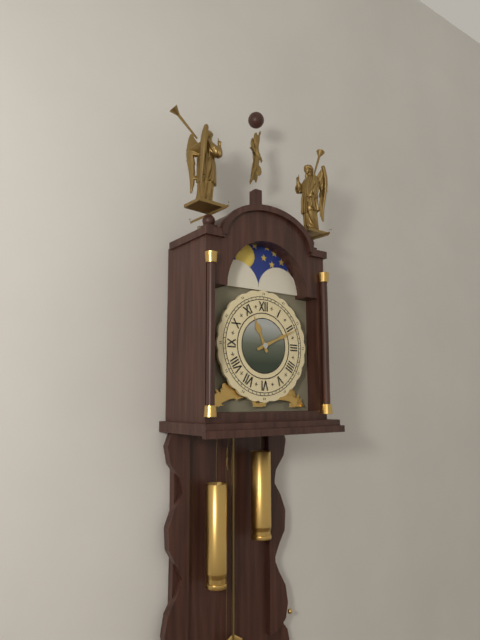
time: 11:11
